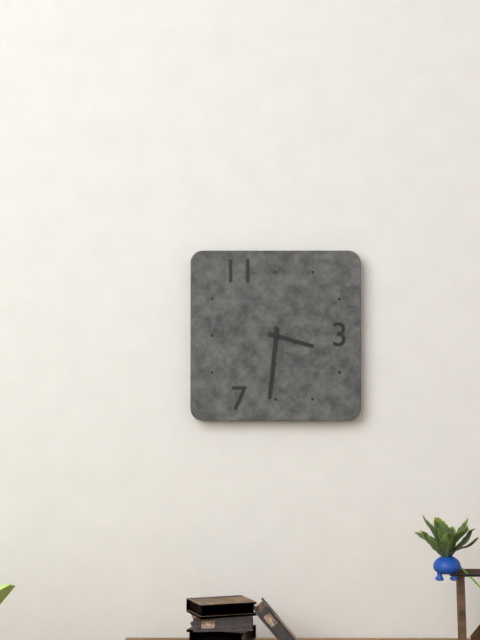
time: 3:31
